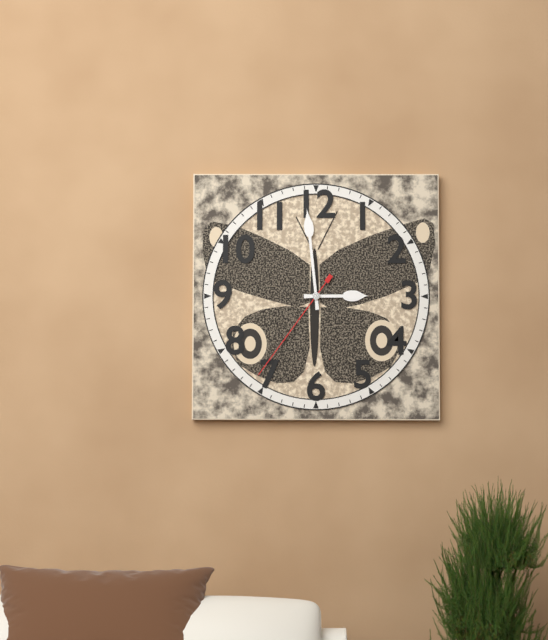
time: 2:59:36
